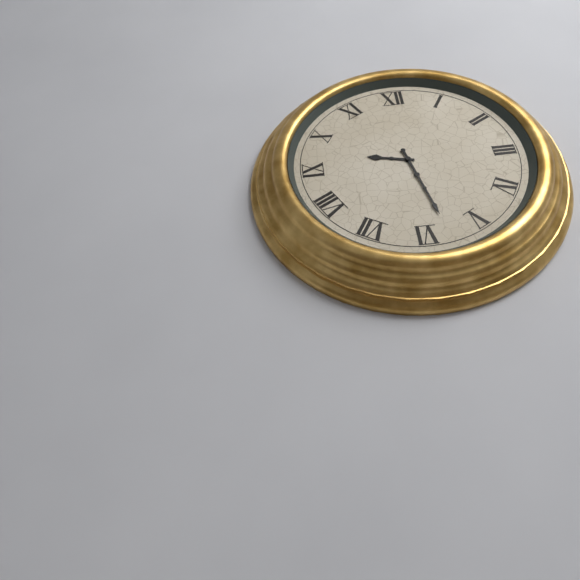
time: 9:28
